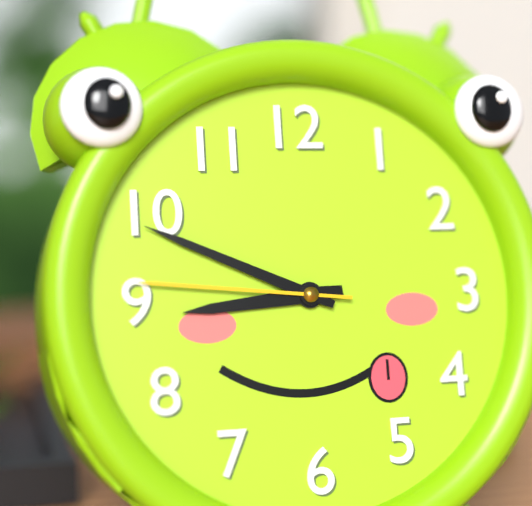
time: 8:49:46
